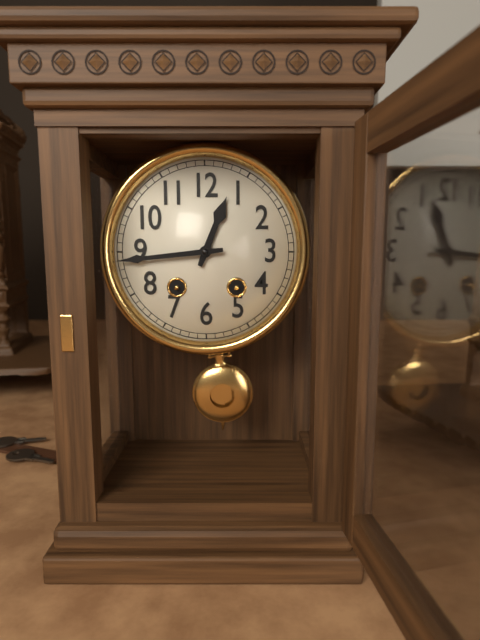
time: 12:44
